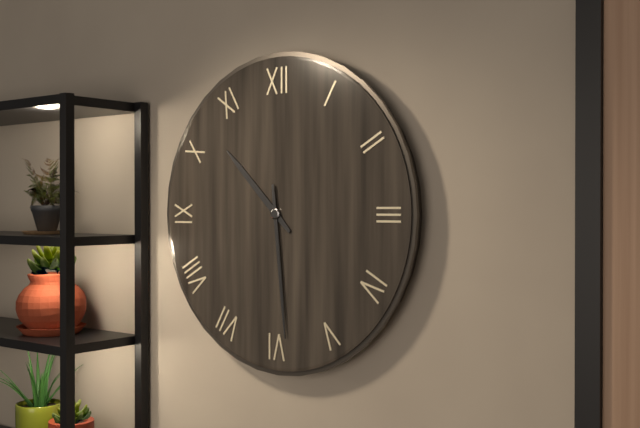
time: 10:29
